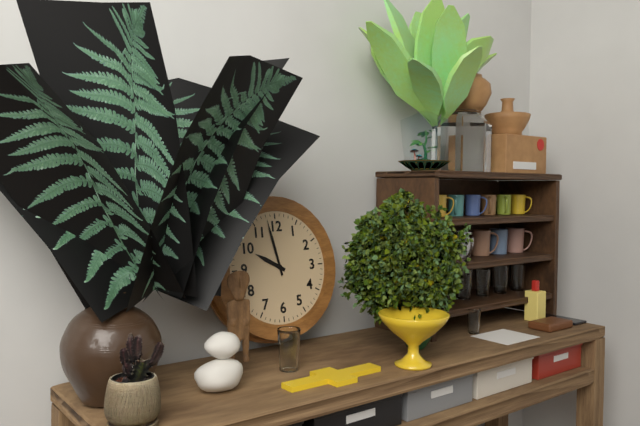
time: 9:58
